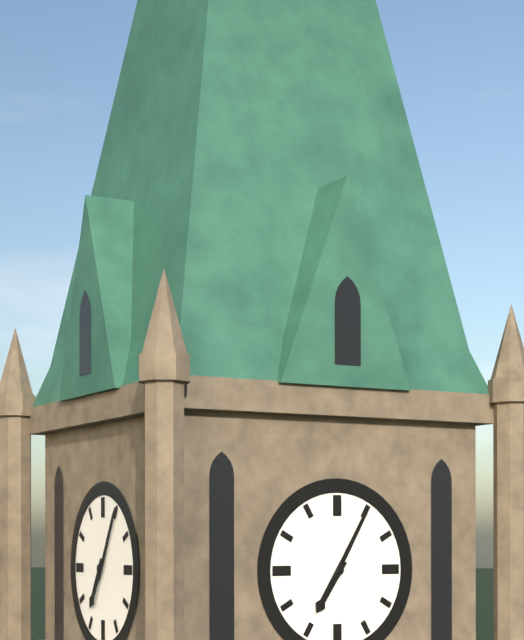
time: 7:05
